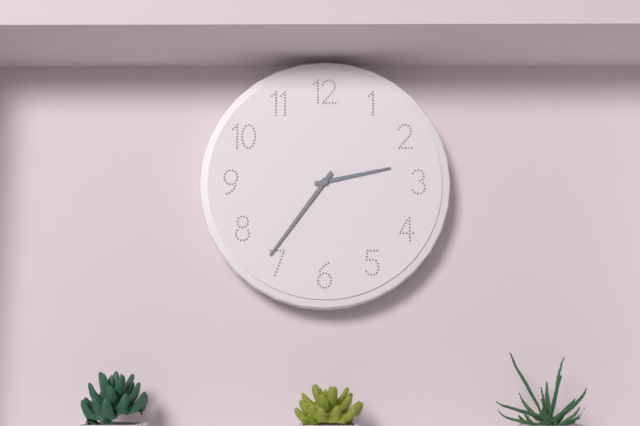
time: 2:36
